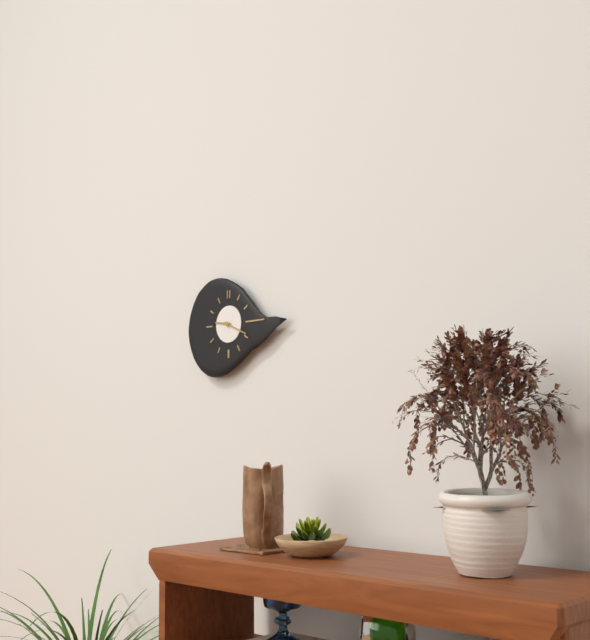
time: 9:19
